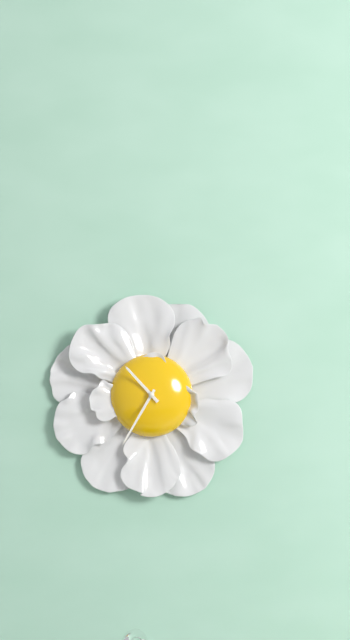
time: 10:35
